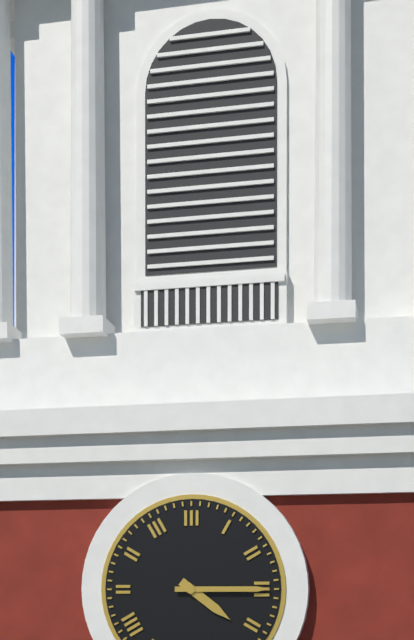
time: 4:15
